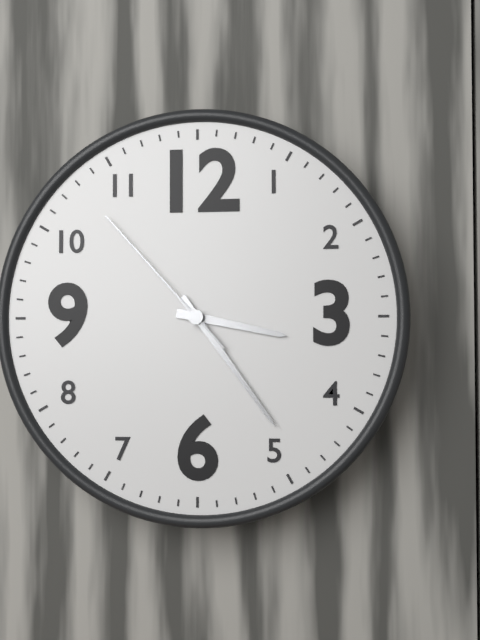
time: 3:24:53
